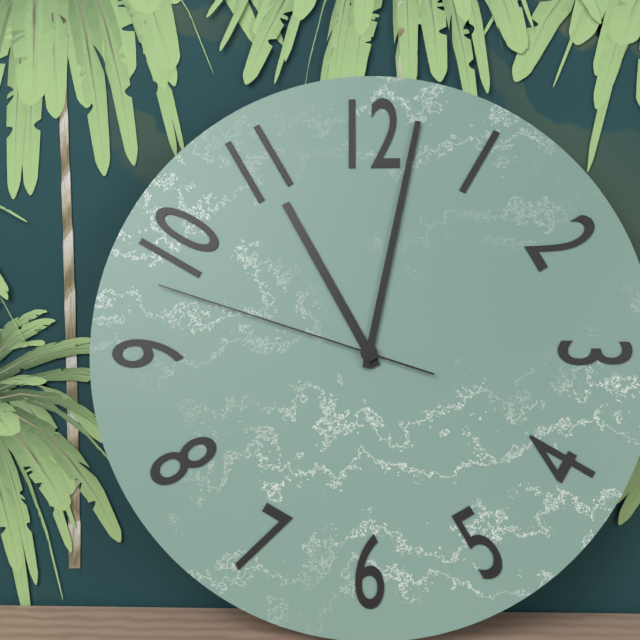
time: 11:02:48
